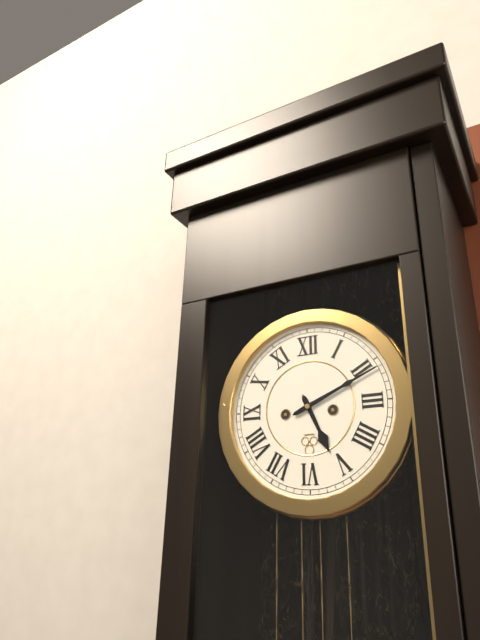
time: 5:11
